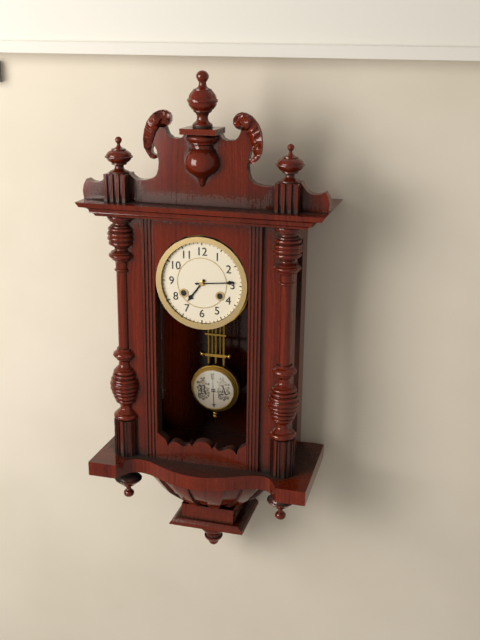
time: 7:14
